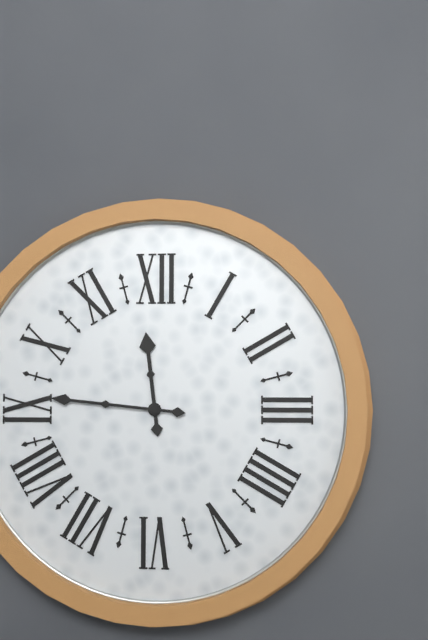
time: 11:46
